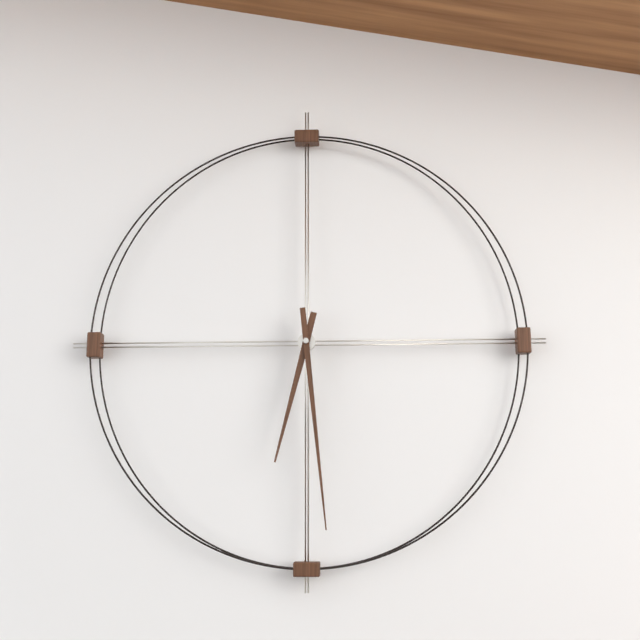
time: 6:29
